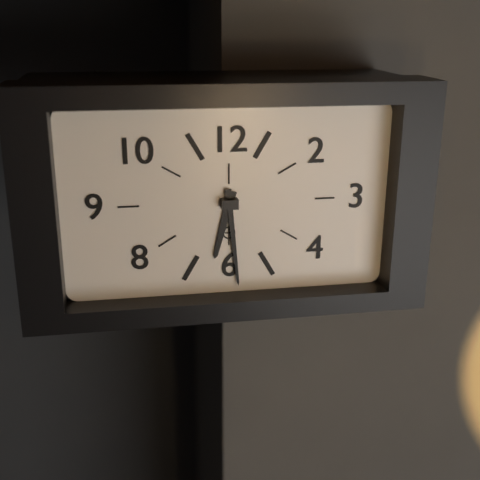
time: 6:29
